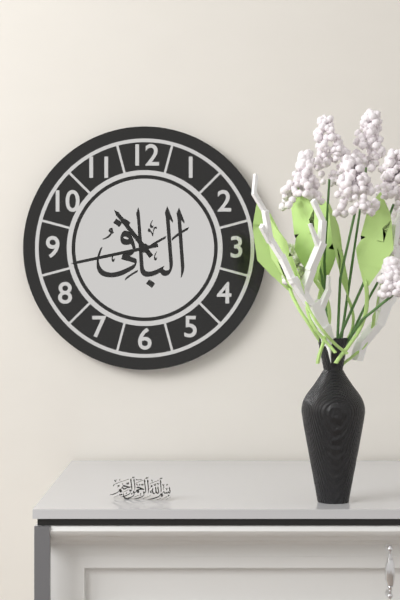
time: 10:43
